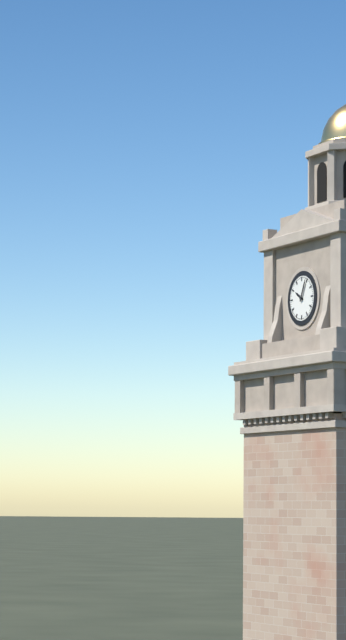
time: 10:04
